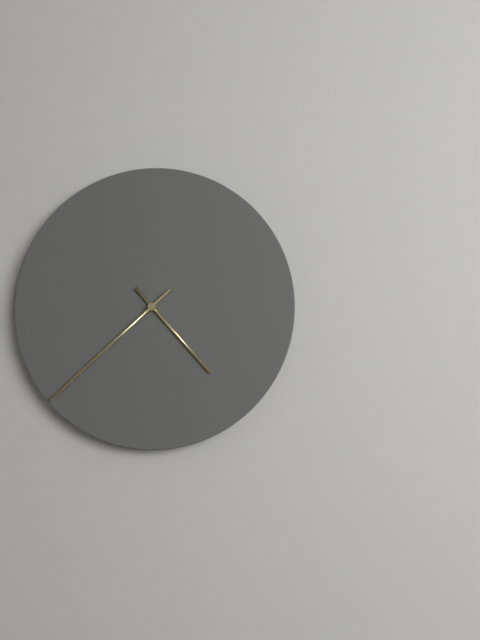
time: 4:38
